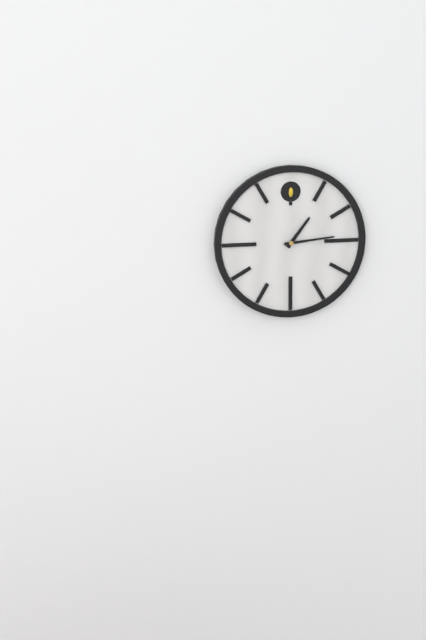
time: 1:14
